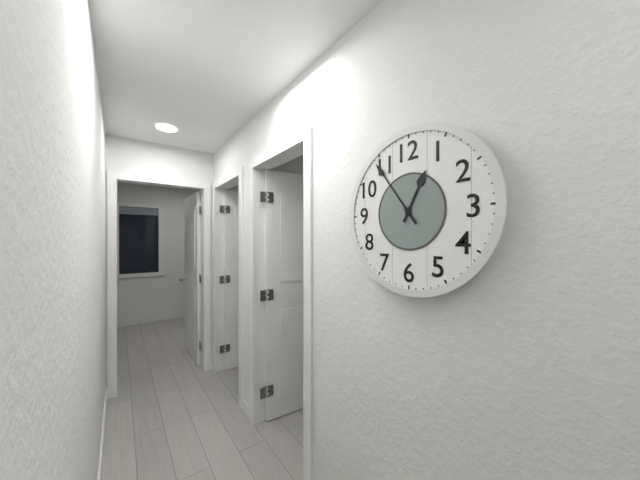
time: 12:54
